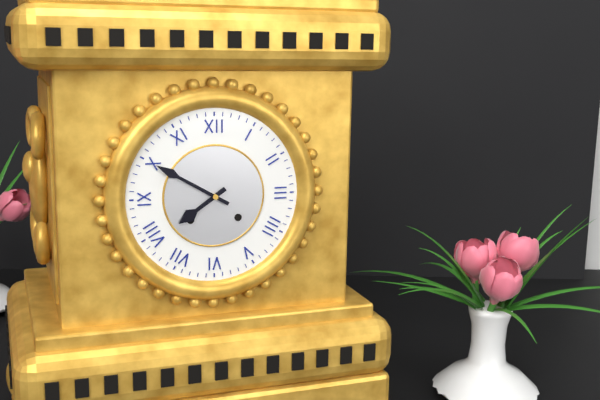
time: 7:50
